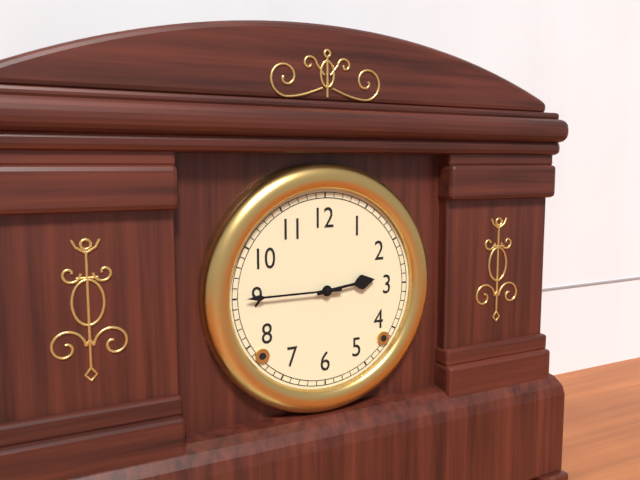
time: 2:45
